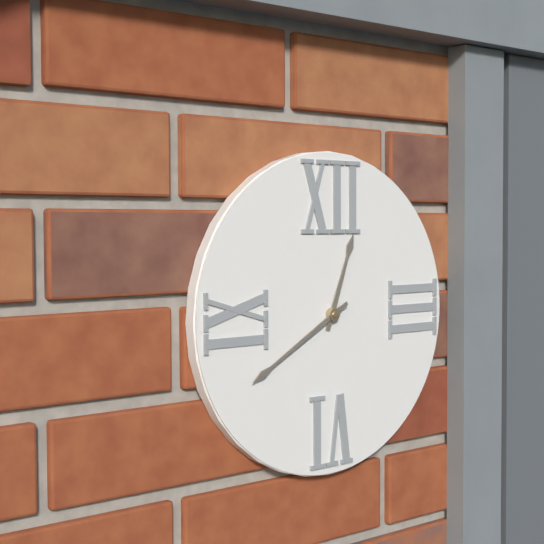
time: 12:40
